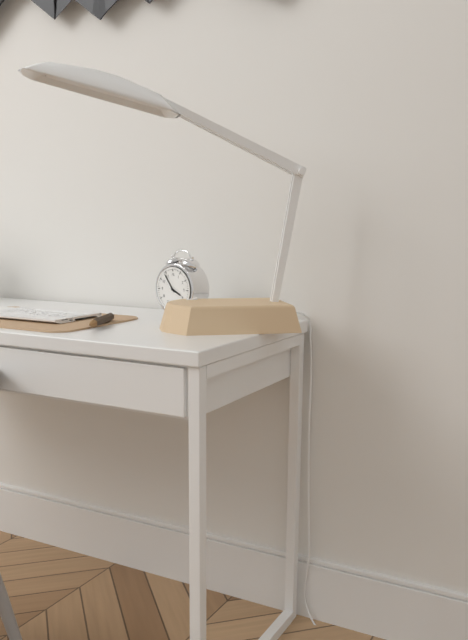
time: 3:54
